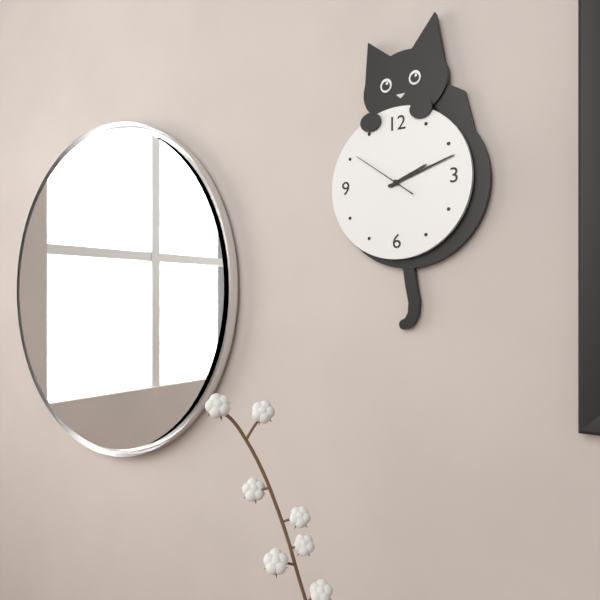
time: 2:12:51
